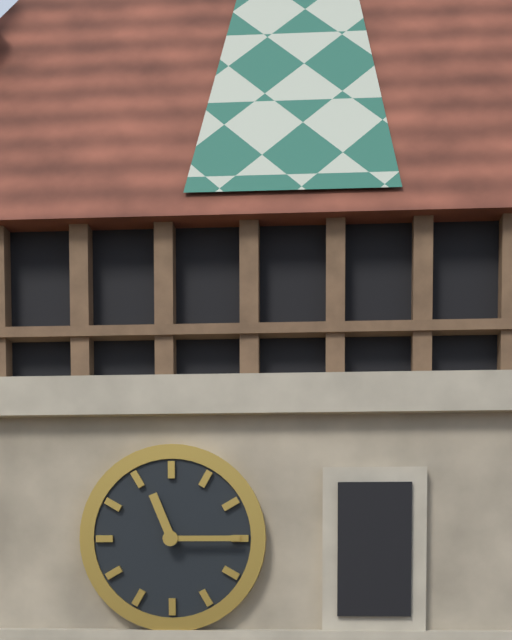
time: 11:15
